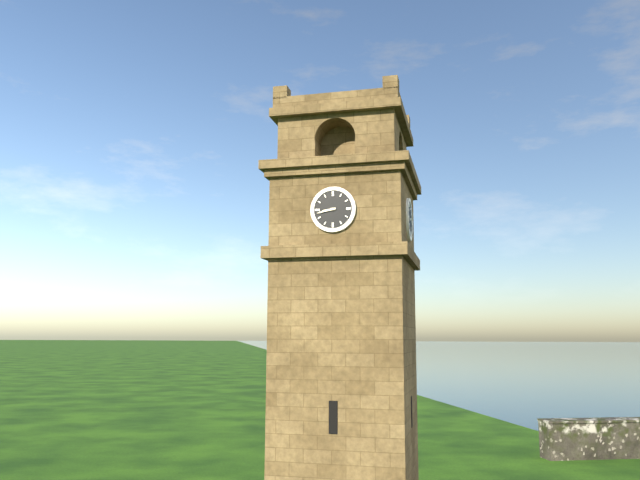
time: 8:43
